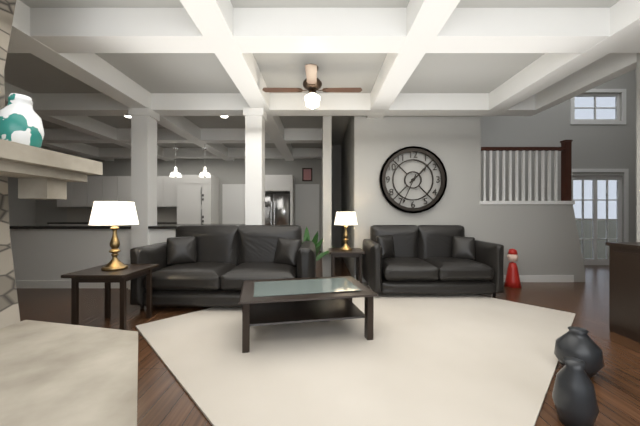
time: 1:34
